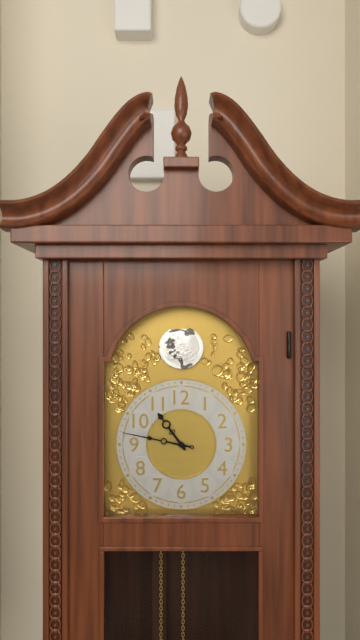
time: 10:47
